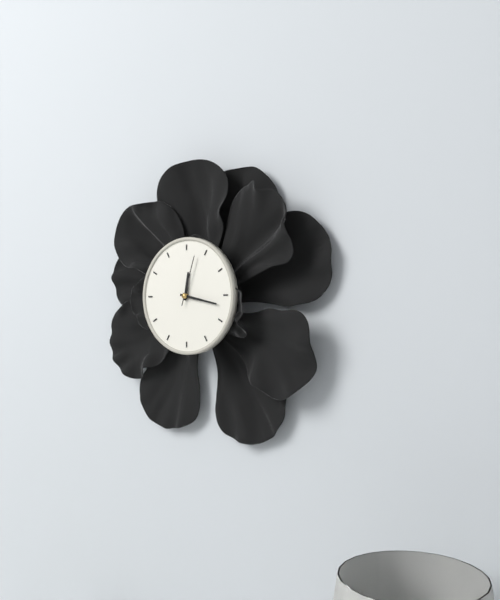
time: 12:17:03
